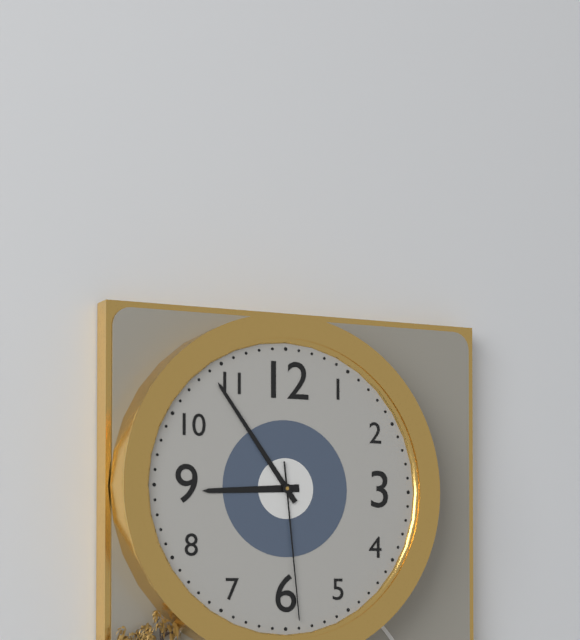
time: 8:54:29
